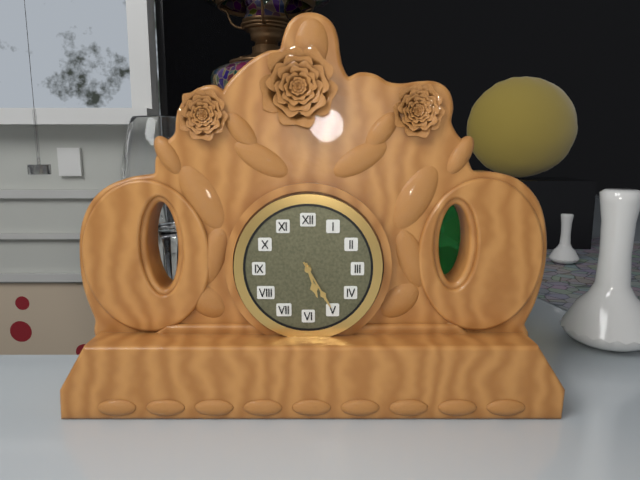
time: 5:25
